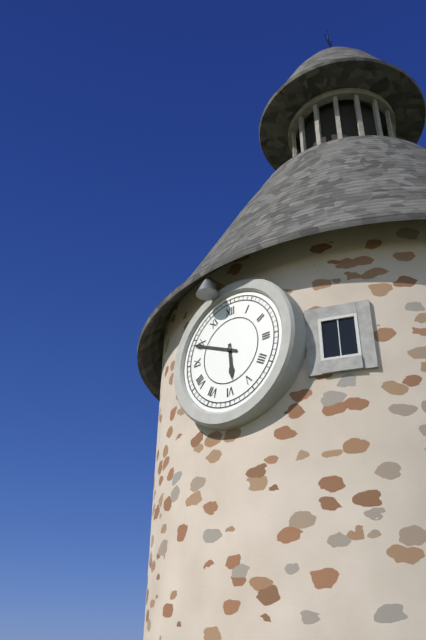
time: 5:49
